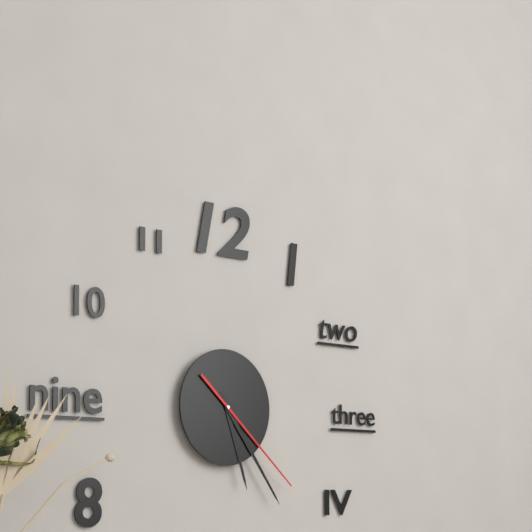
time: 5:24:22
